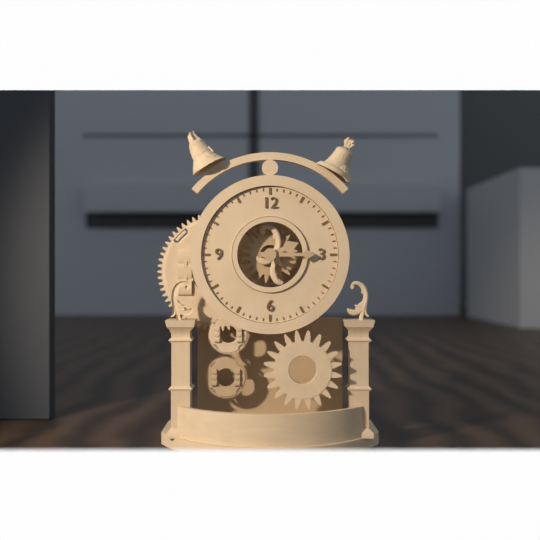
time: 2:15
